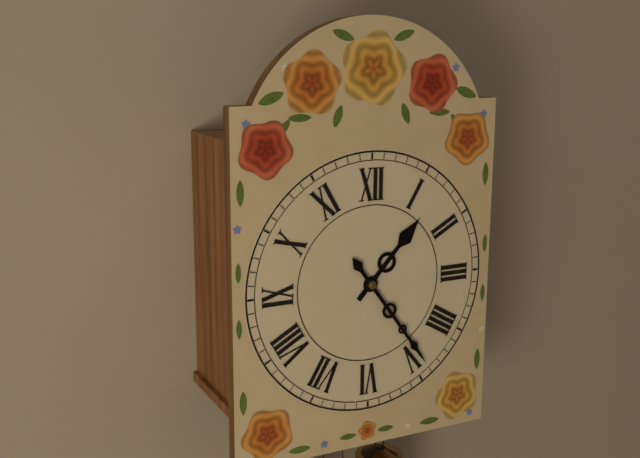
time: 1:24
